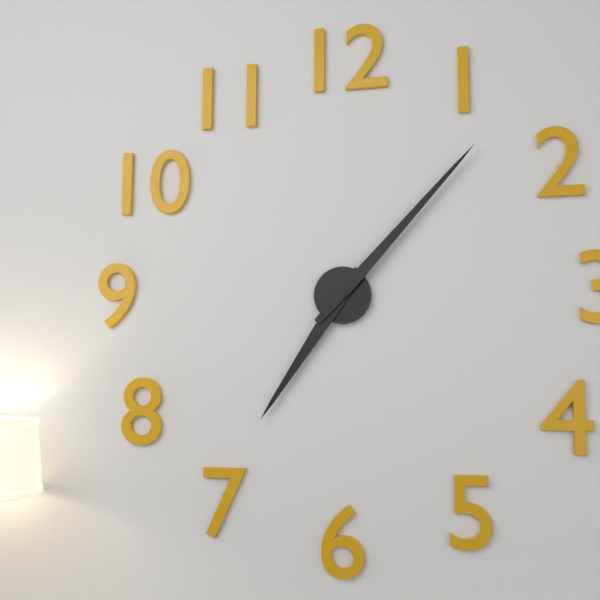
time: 7:07
